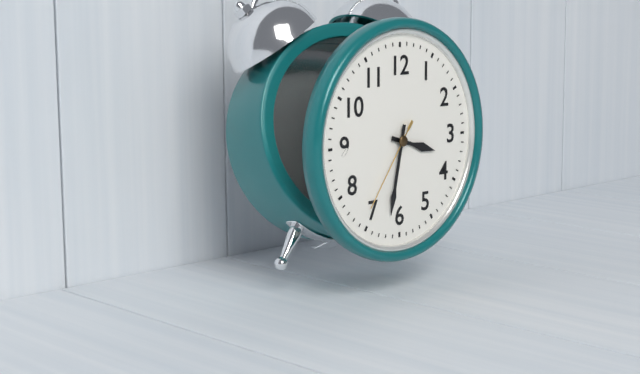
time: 3:32:36
